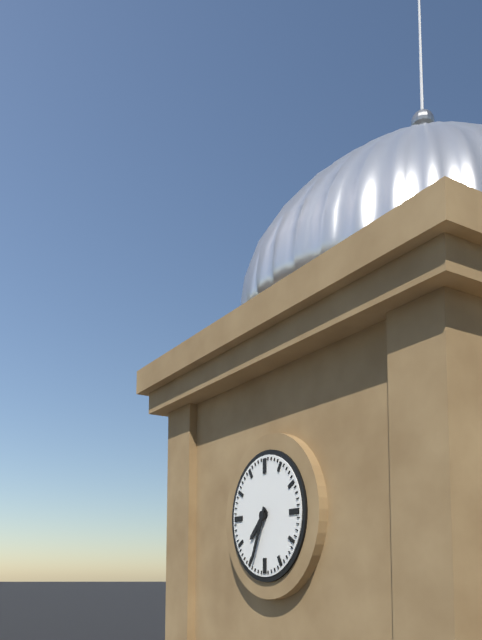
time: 7:34
